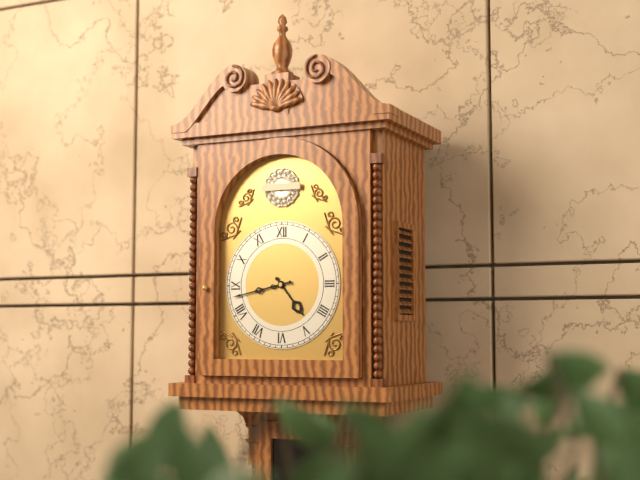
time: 4:43
